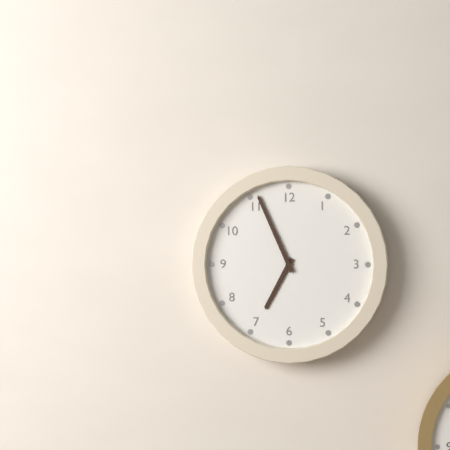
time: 6:56
